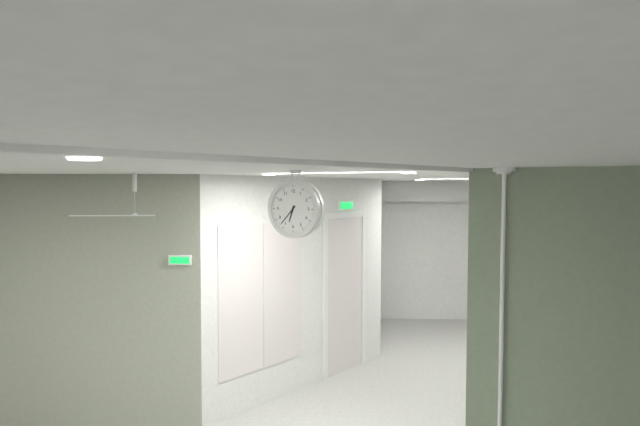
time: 6:37
